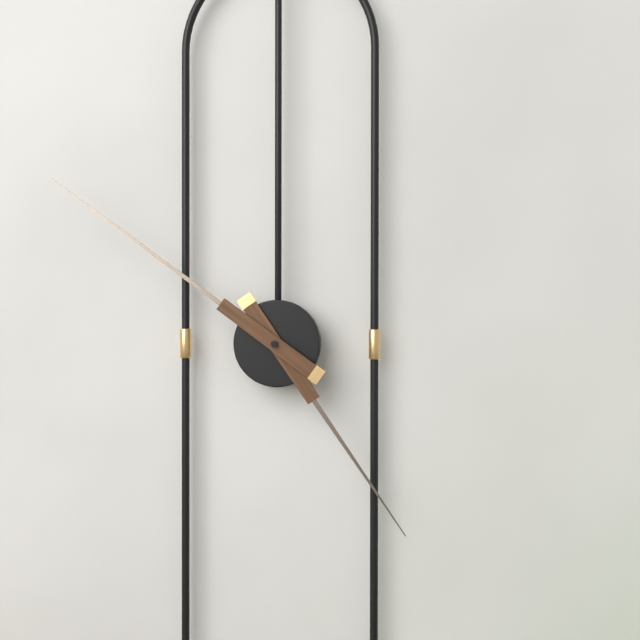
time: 4:51
